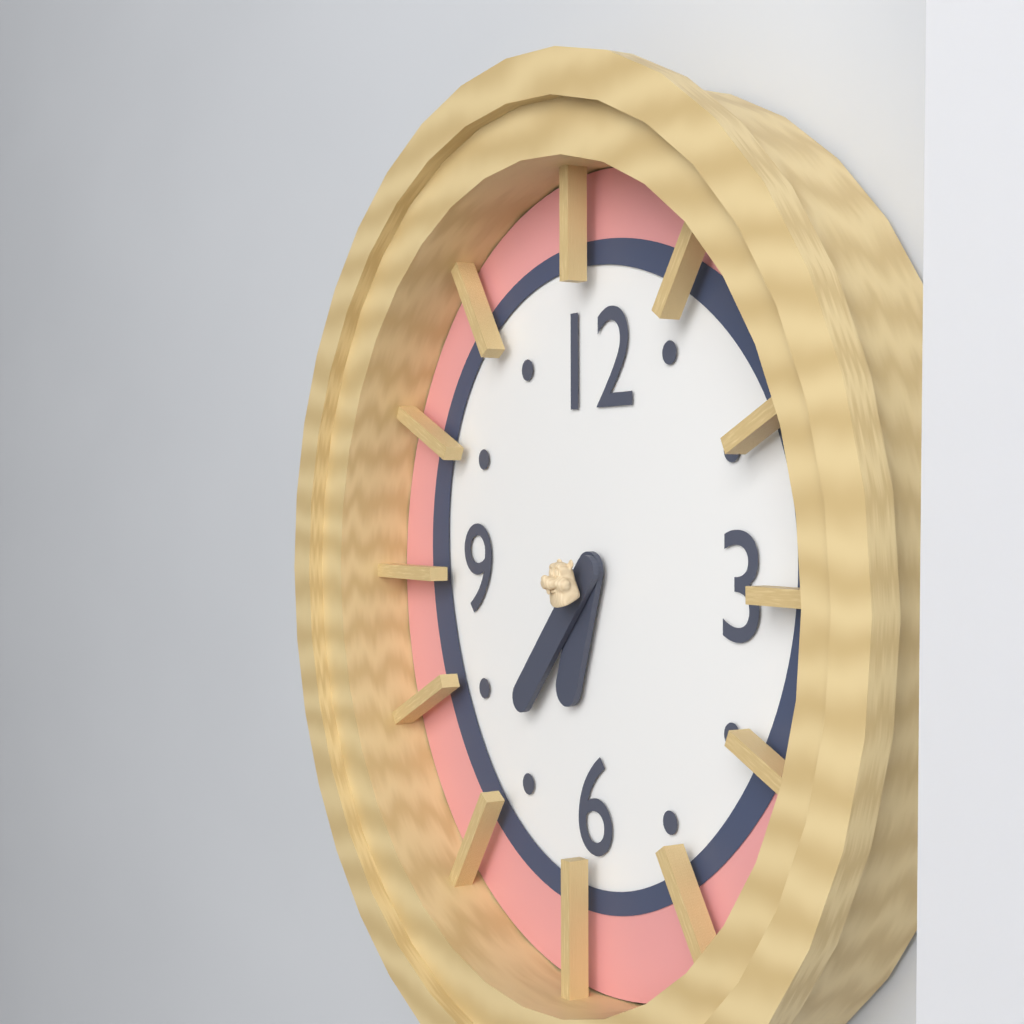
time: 6:37
